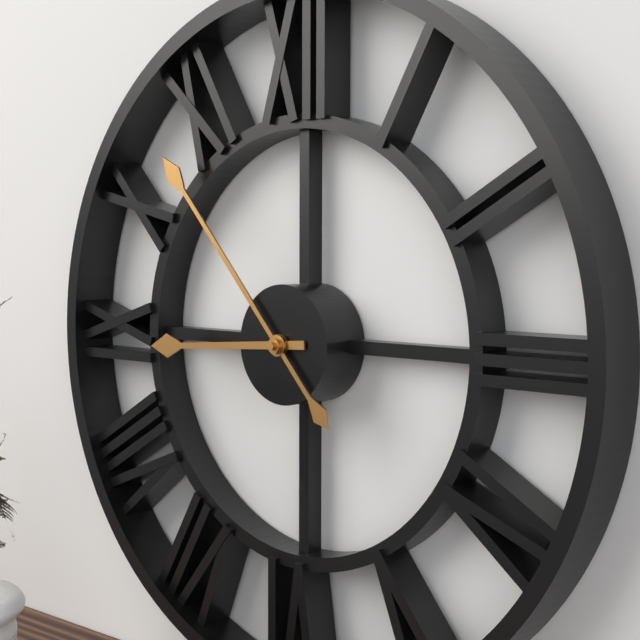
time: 8:53
